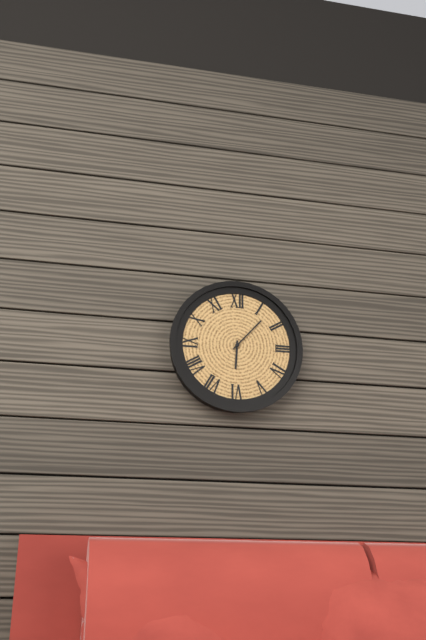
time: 6:07
